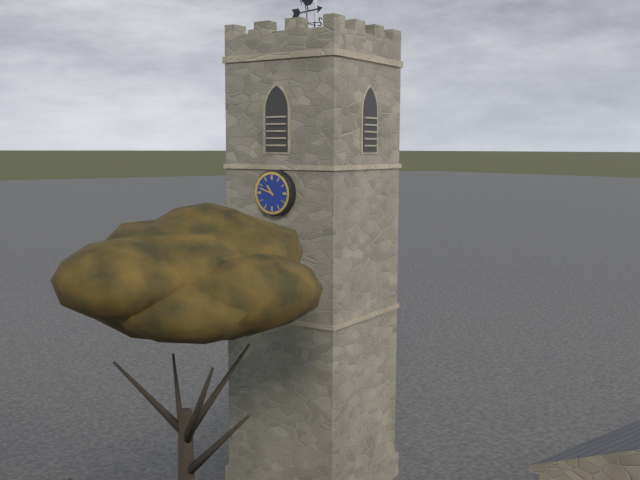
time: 10:48
